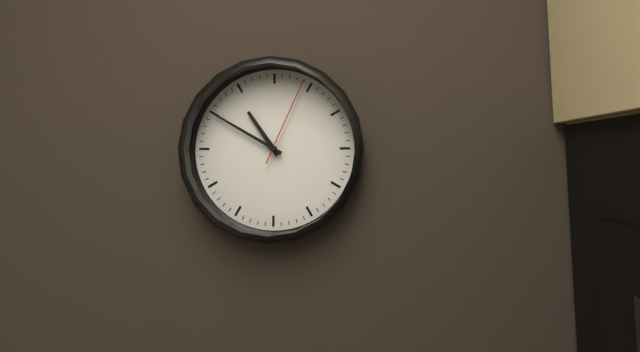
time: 10:50:04
